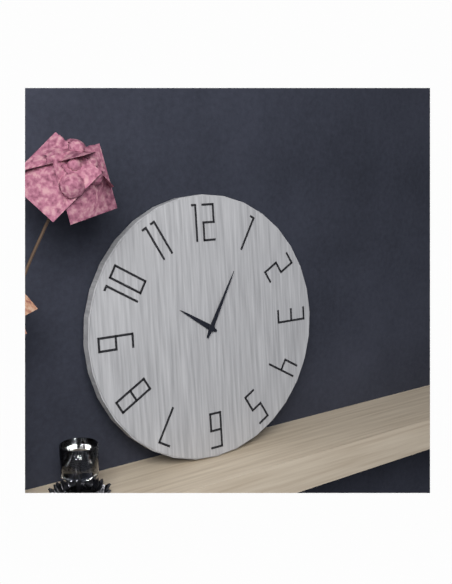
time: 10:05
